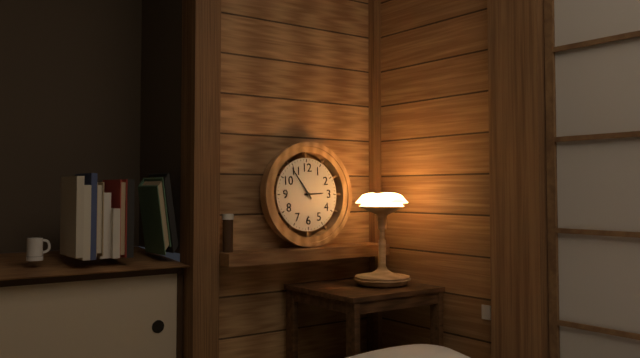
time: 2:54
